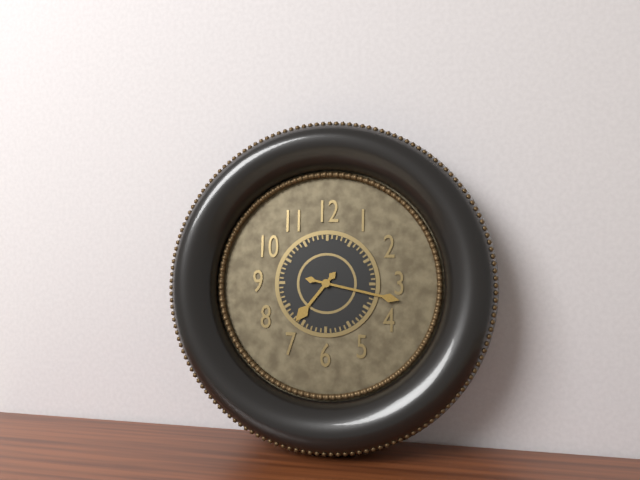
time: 7:17
